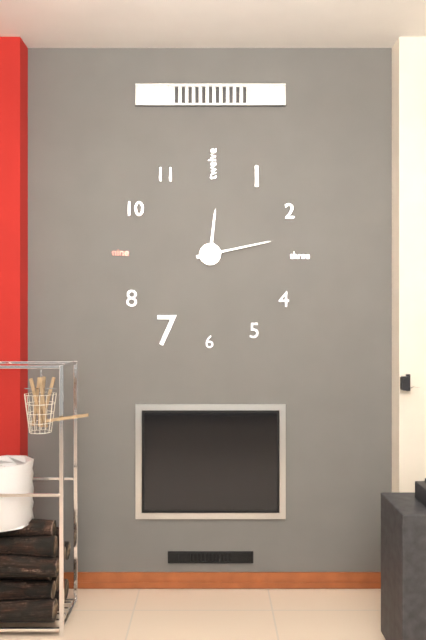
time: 12:13
